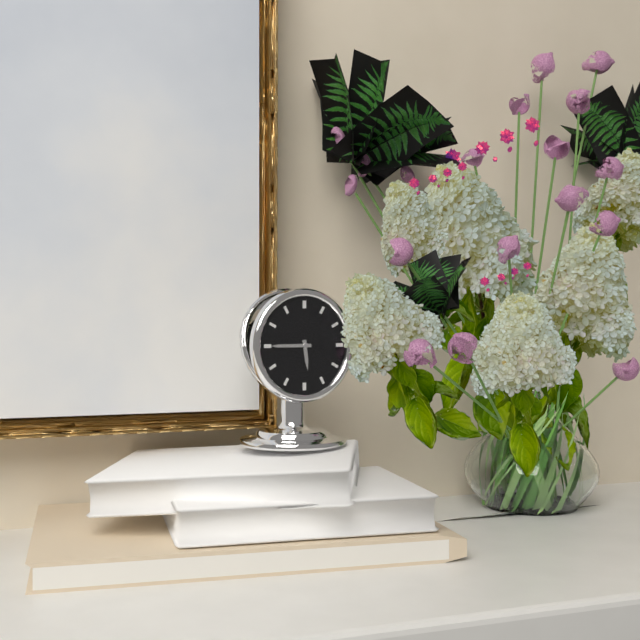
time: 5:45
